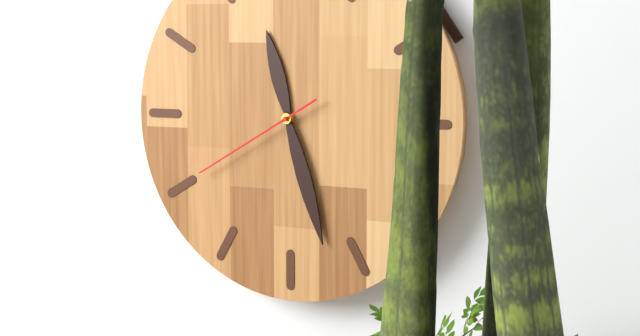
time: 11:27:40
